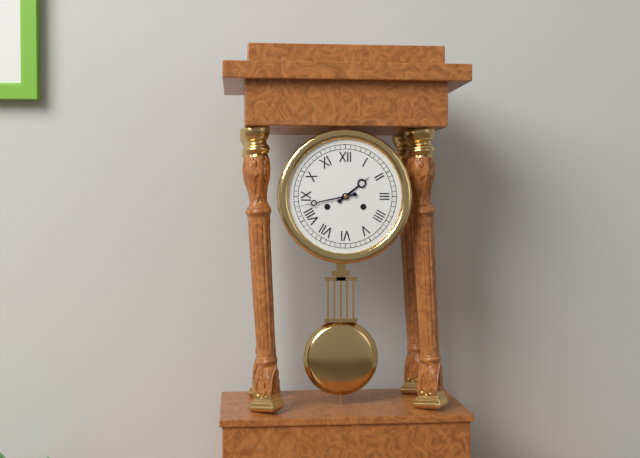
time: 1:43
